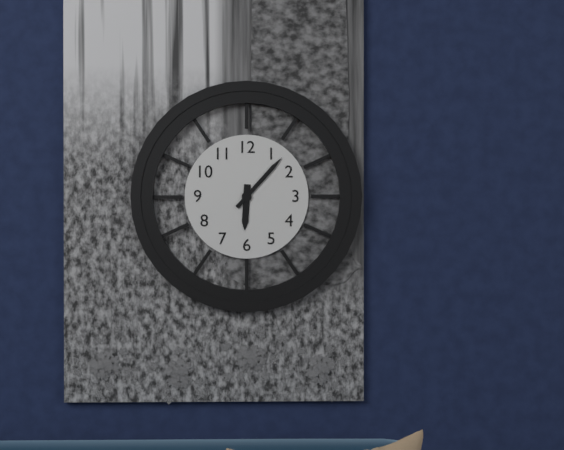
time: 6:07
